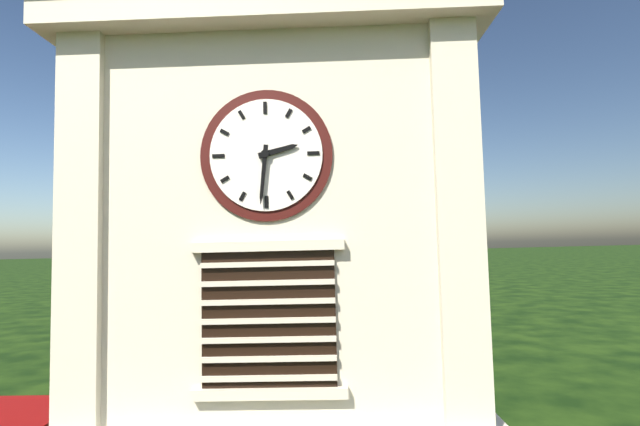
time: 2:31
